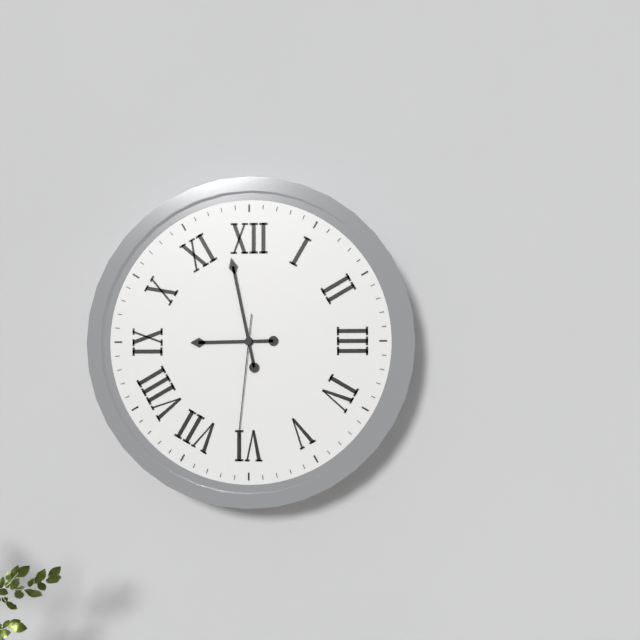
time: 8:58:31
